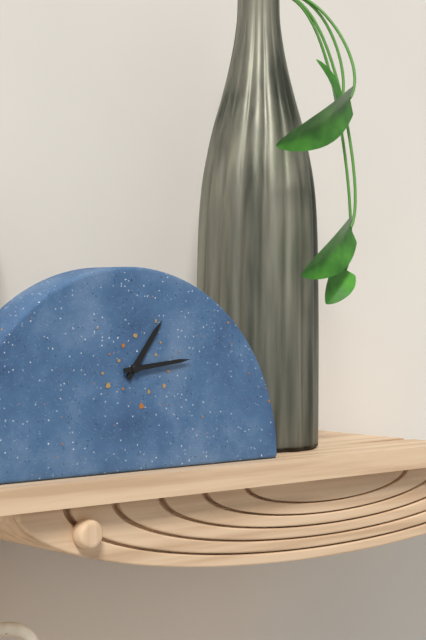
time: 1:14
